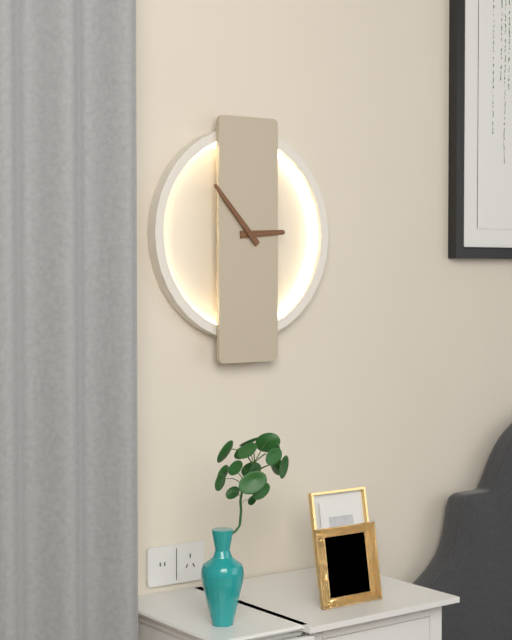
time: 2:53
